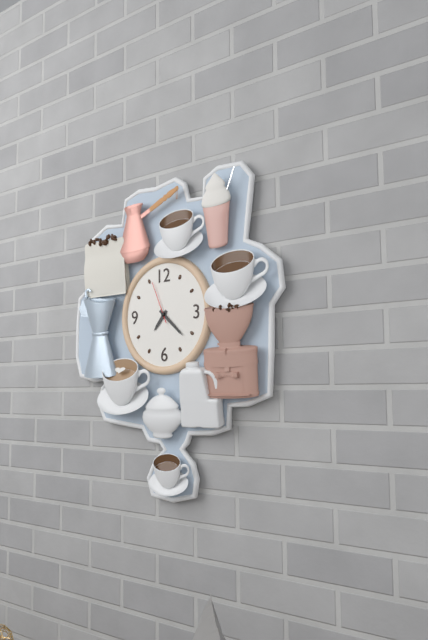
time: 7:22
